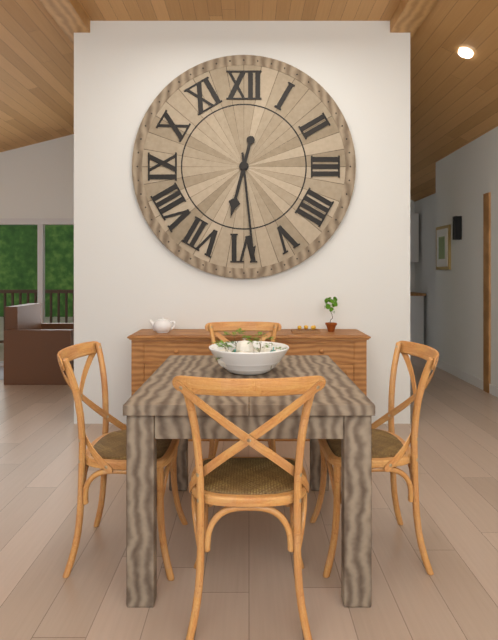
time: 6:29
